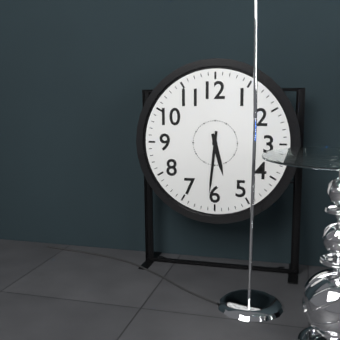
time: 5:31
